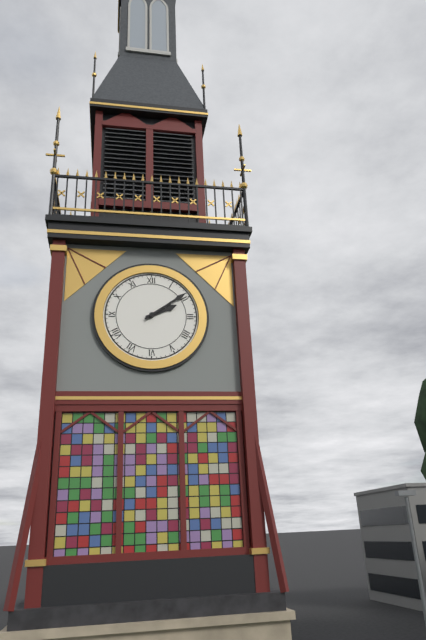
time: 2:09
